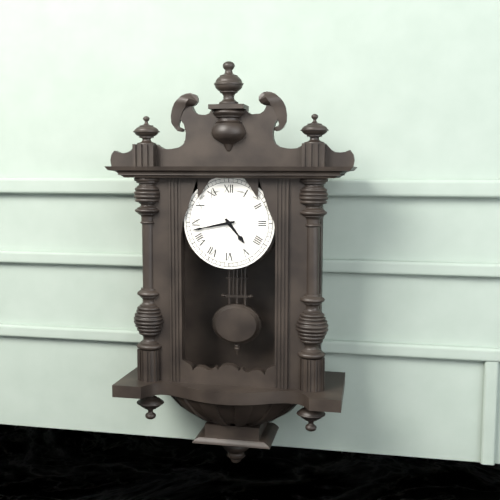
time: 4:43
